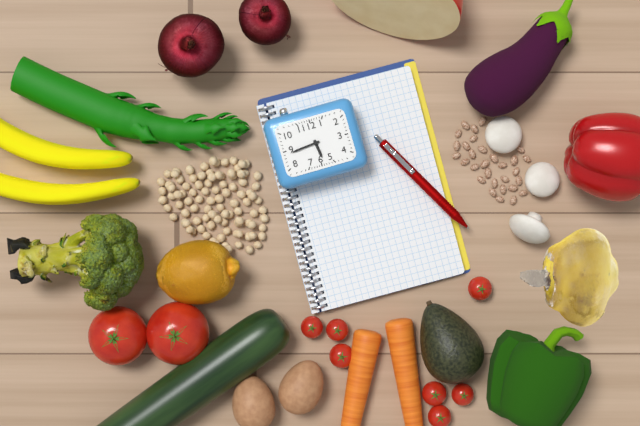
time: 5:44
